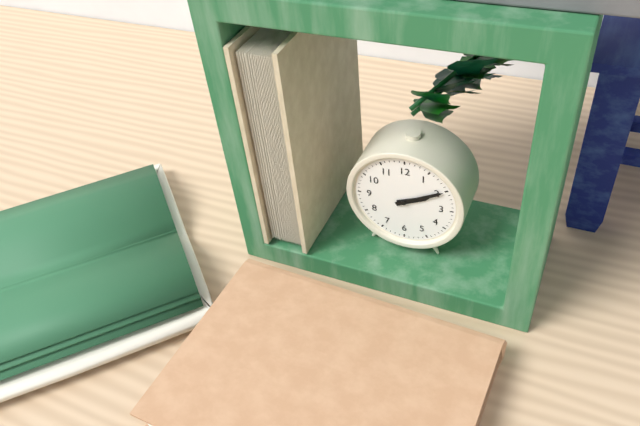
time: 2:10
